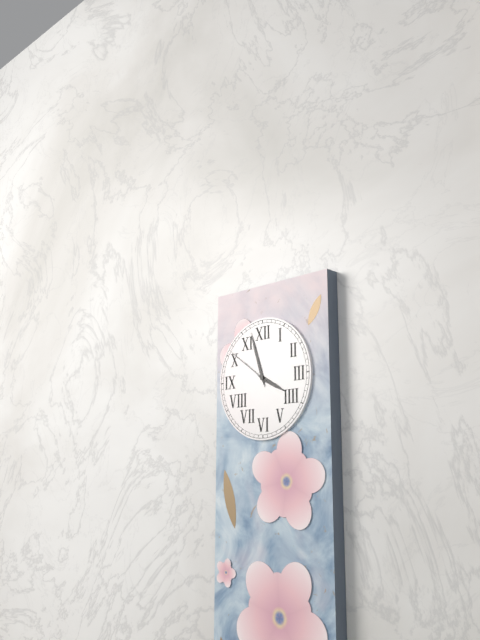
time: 3:57
